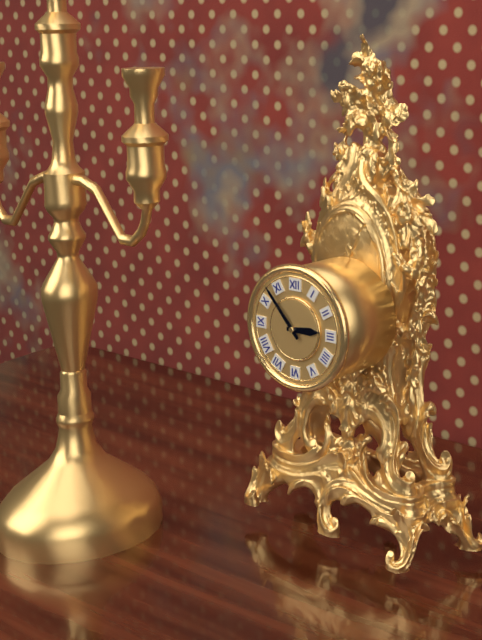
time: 2:53
